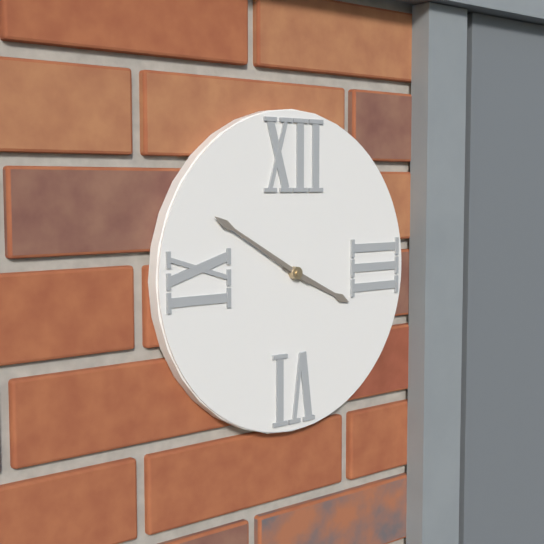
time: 3:50
